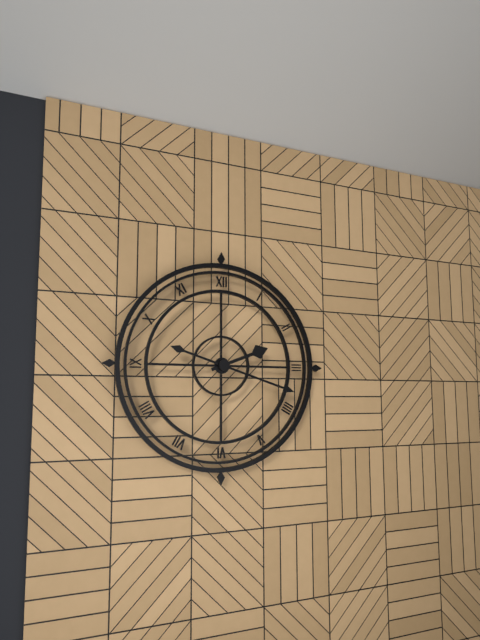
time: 2:18
